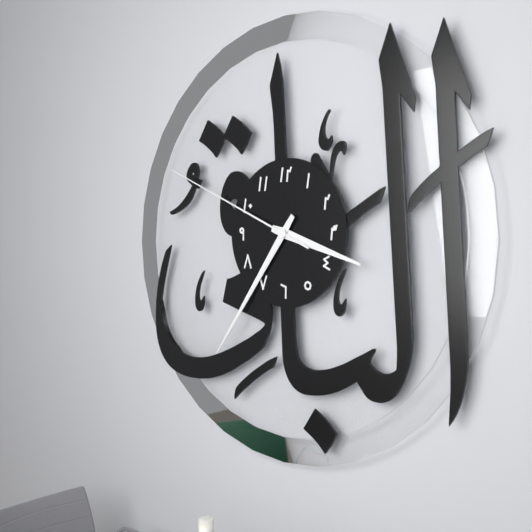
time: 3:36:49
